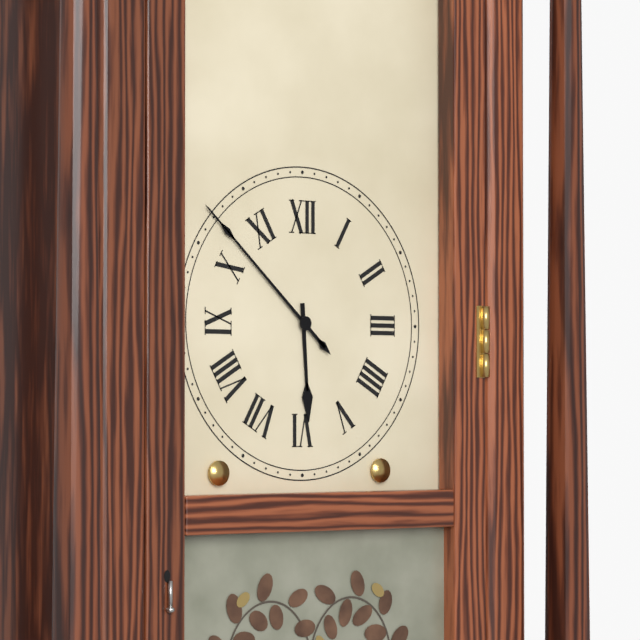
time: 5:52
